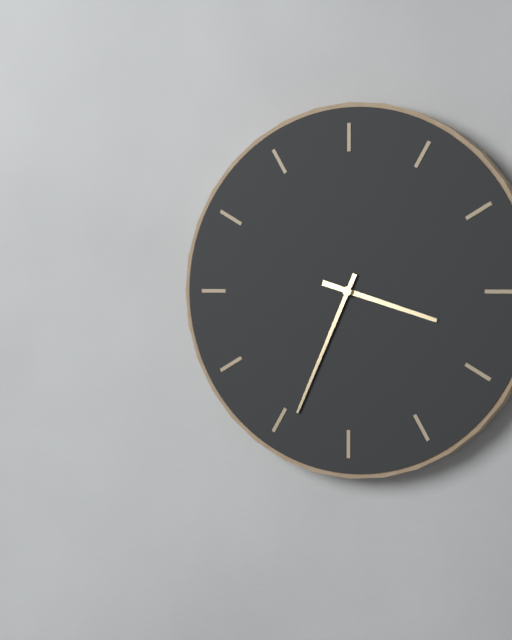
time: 3:34
